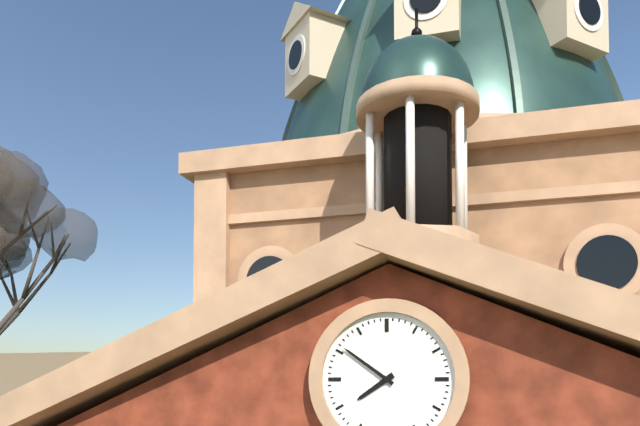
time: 7:51
